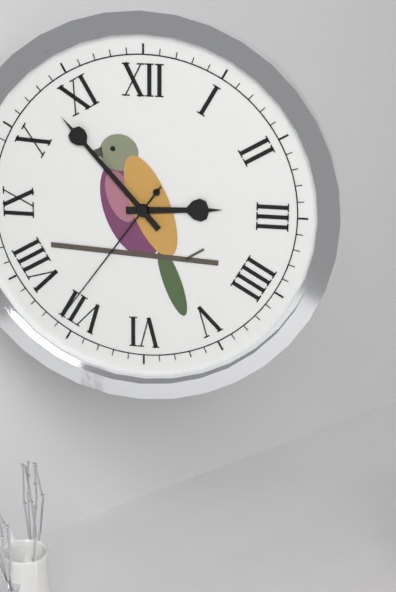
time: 2:53:36
